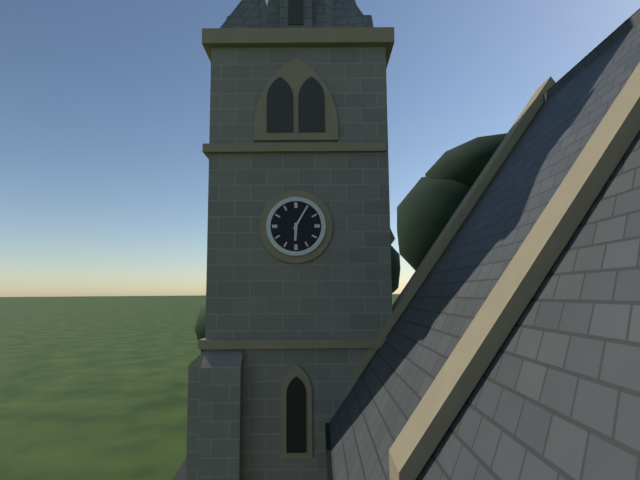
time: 6:05
